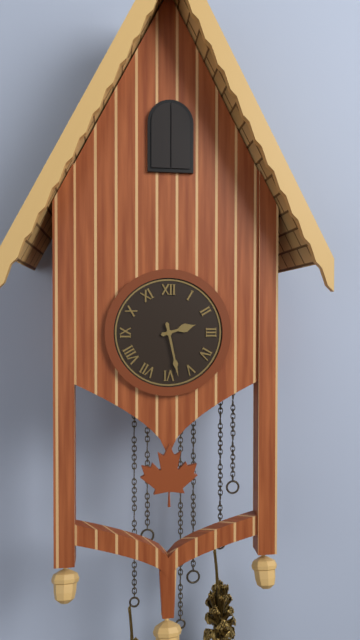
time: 2:28
